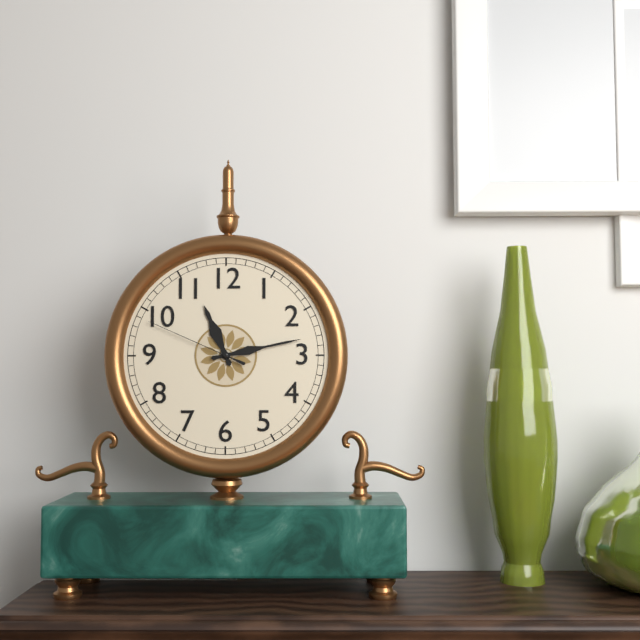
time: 11:13:49
